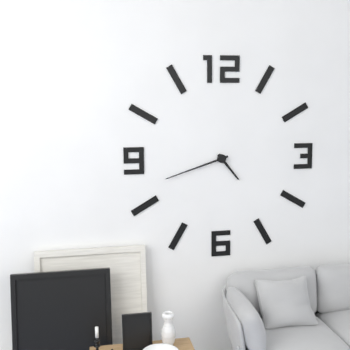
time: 4:42
